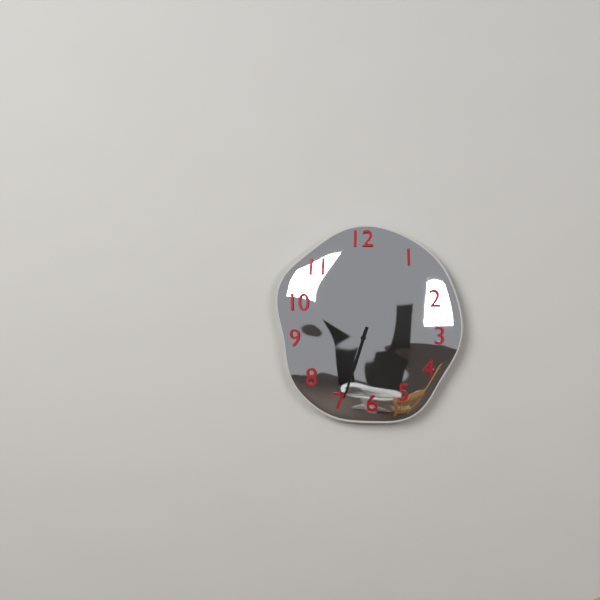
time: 6:33
